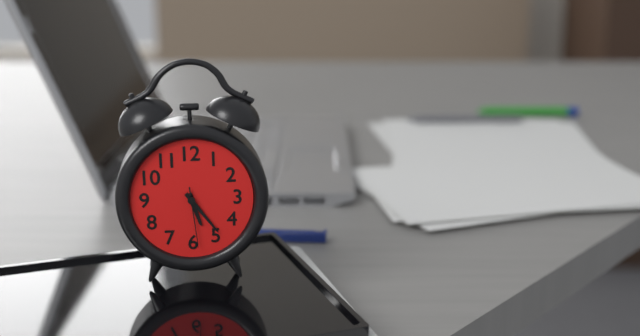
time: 5:24:29
